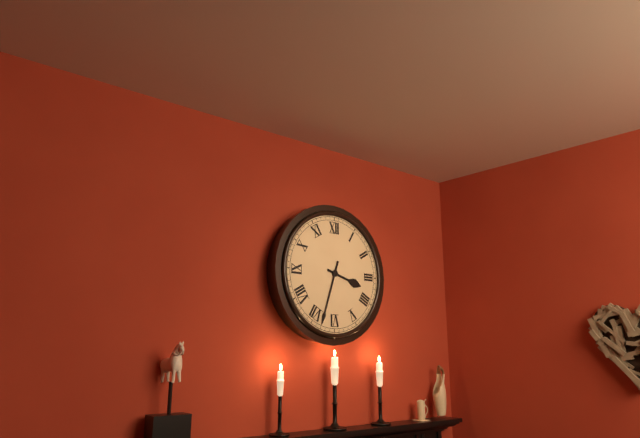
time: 3:33
